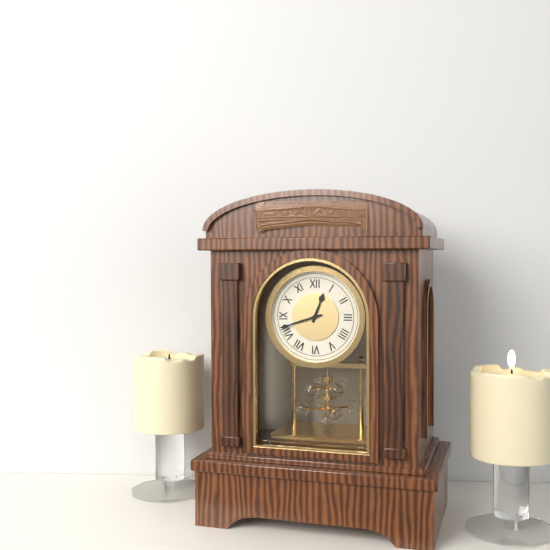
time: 12:42
